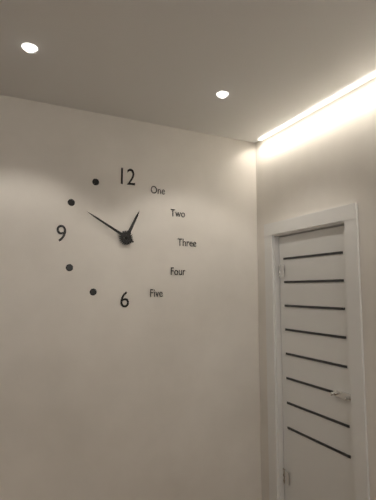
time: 12:50
